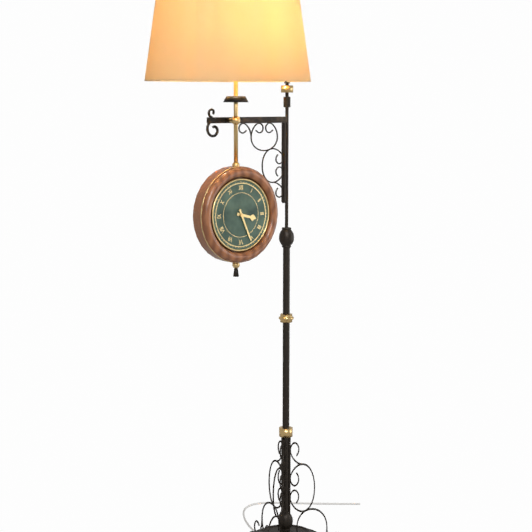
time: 3:26
